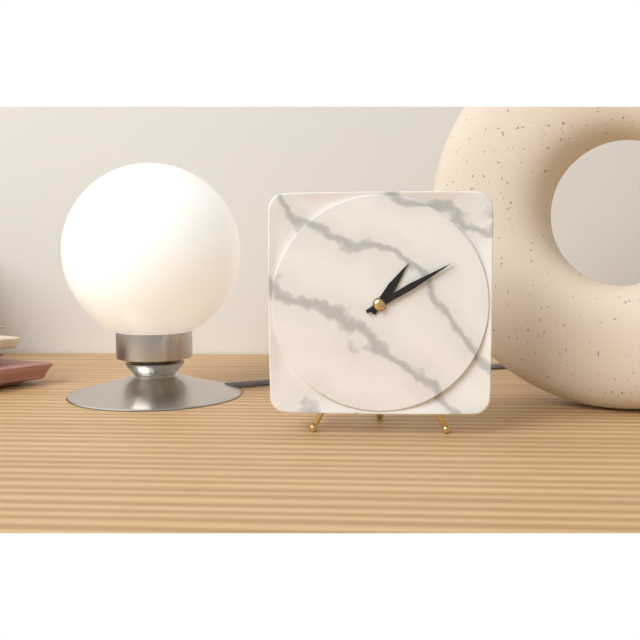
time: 1:10
